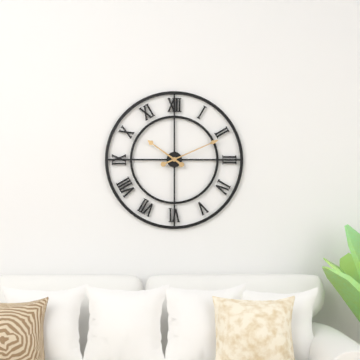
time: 10:11
